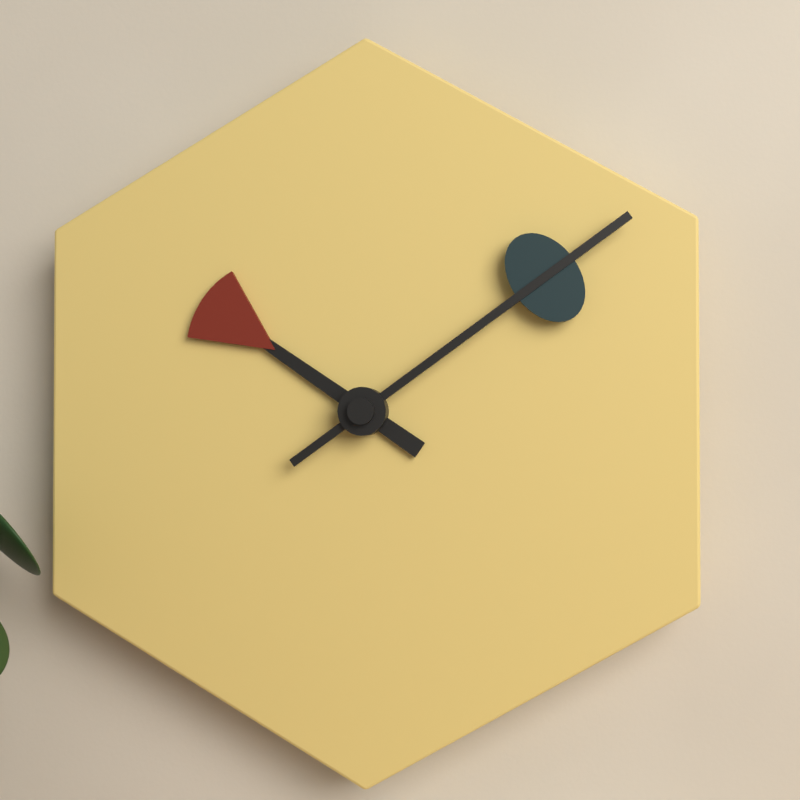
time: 10:09
